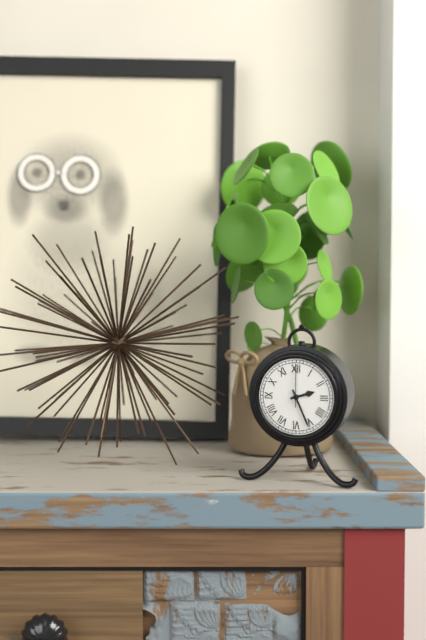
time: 2:26
